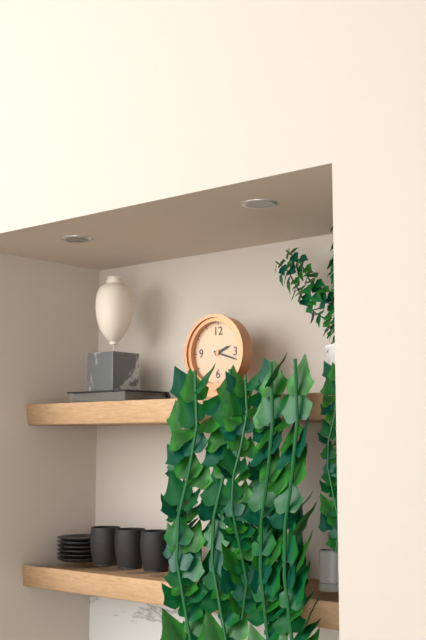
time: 2:18
